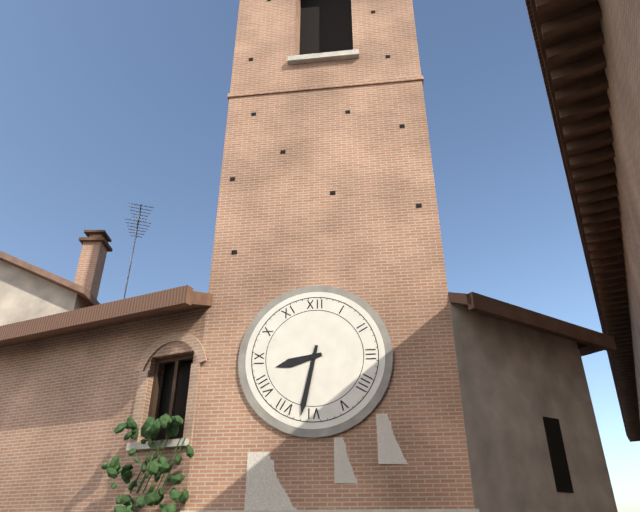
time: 8:32
